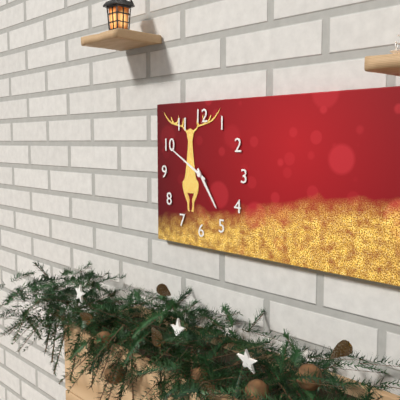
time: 4:50
